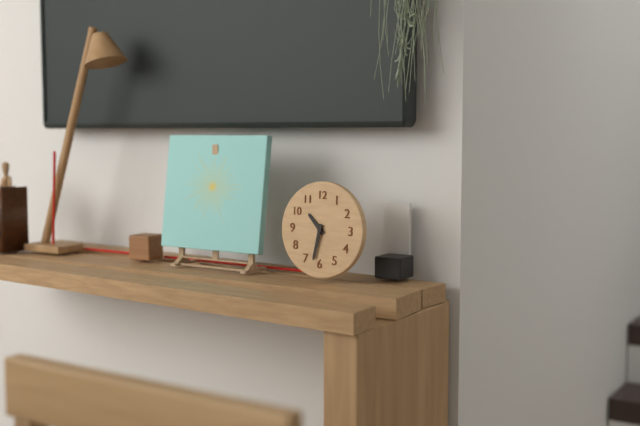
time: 10:32
